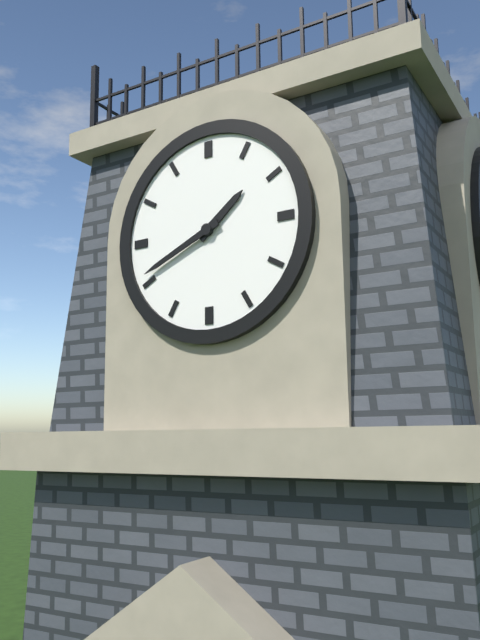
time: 1:41
